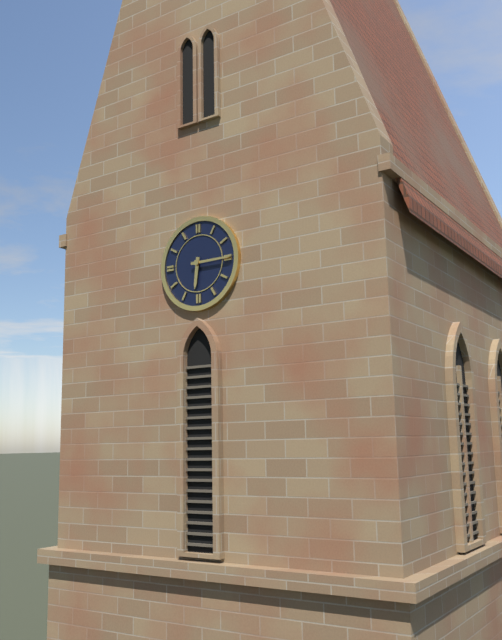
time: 6:15
